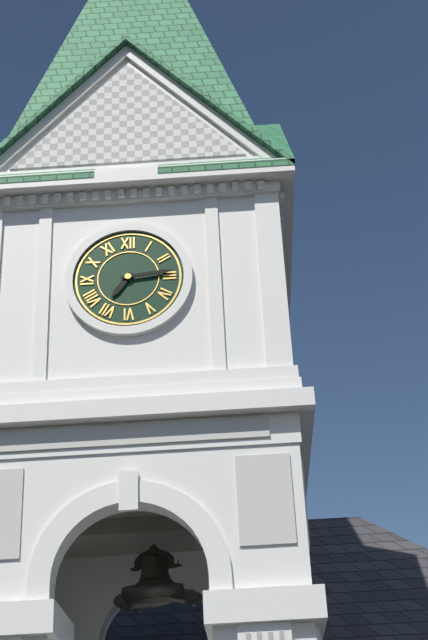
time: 7:14
